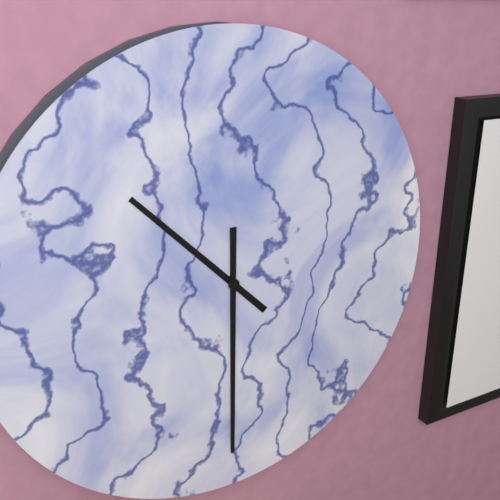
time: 10:30
